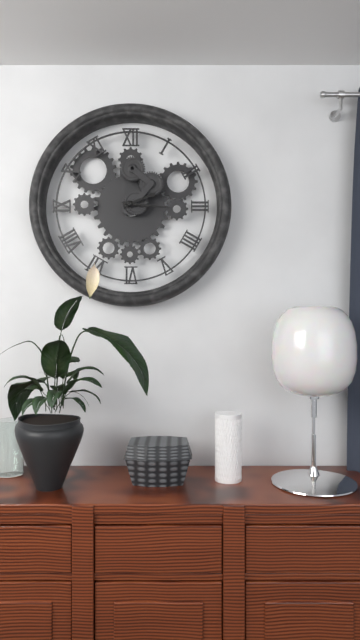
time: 2:16
